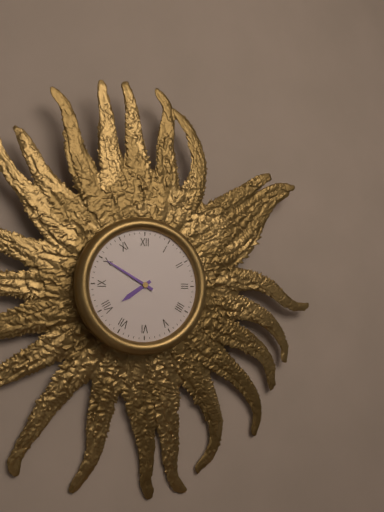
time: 7:50
